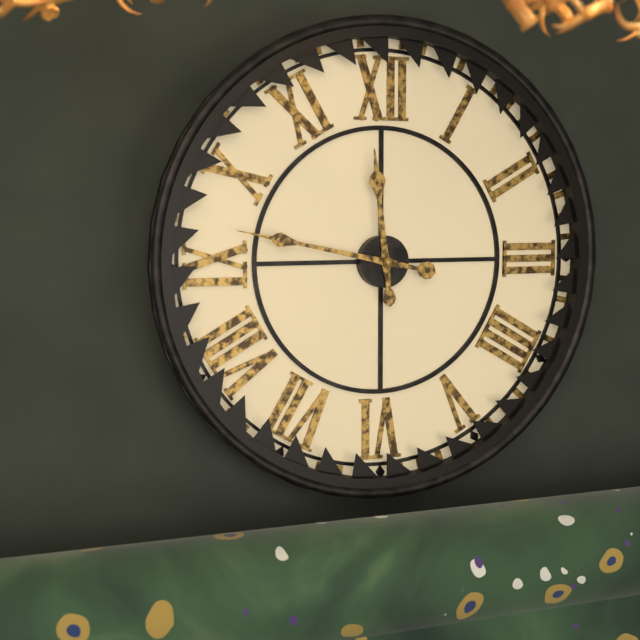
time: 11:47
